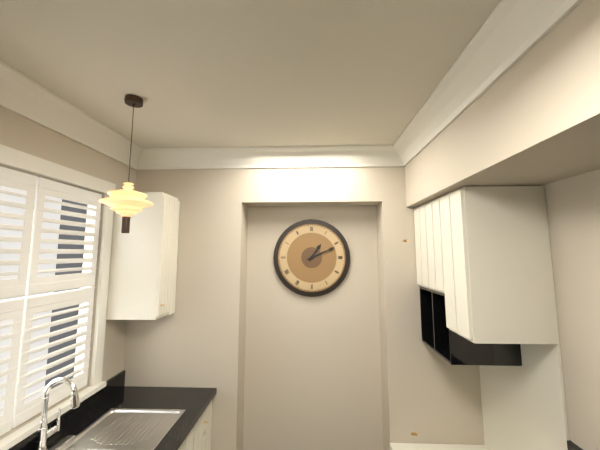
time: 1:11
